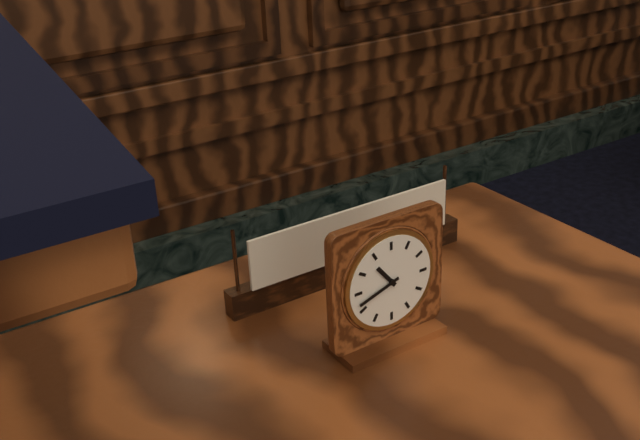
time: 10:42
